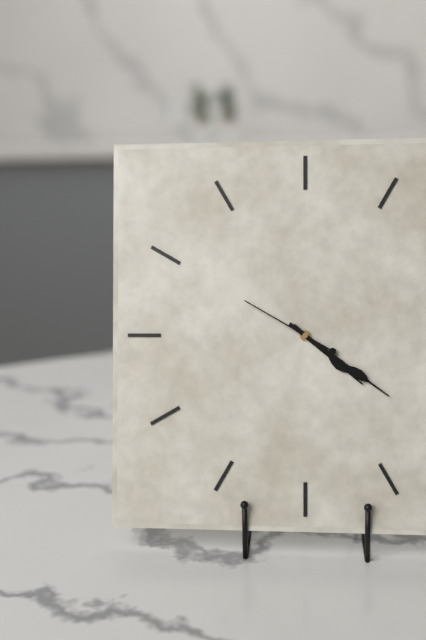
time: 4:21:50
